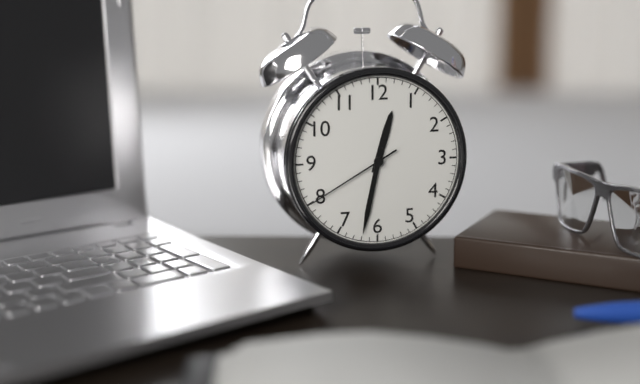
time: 12:32:40
